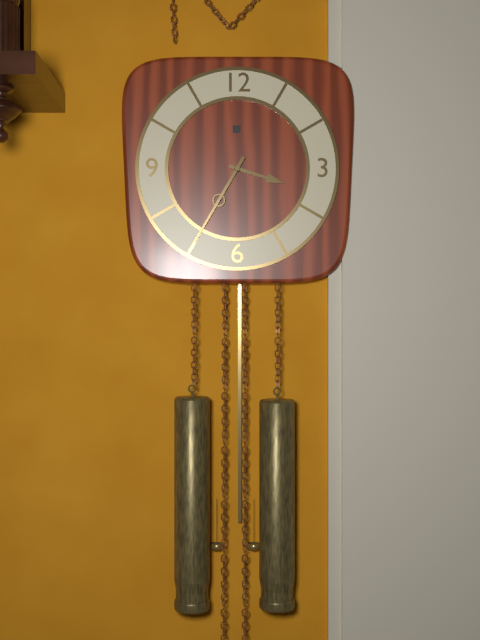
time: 3:35
